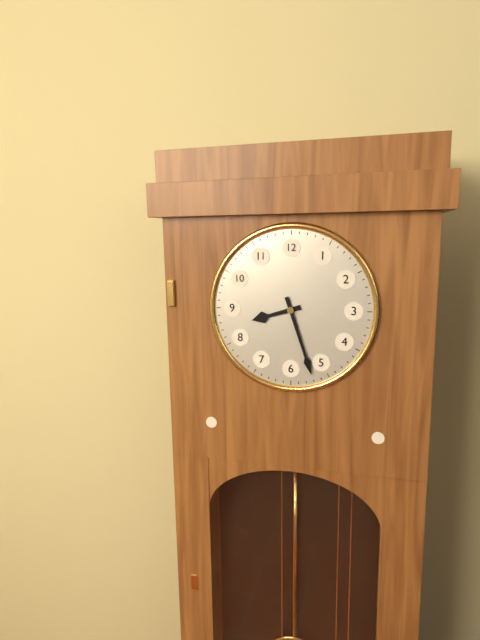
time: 8:27
